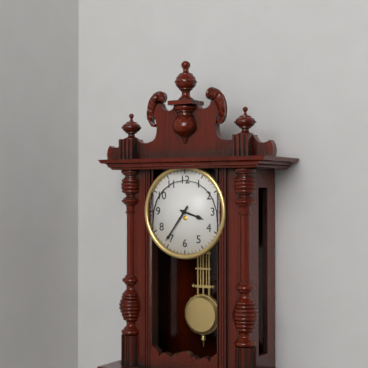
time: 3:36
